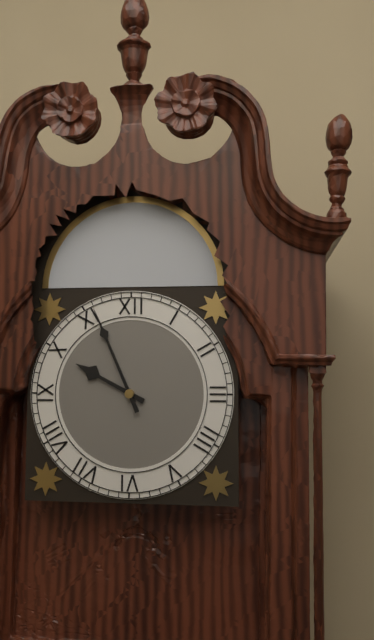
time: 9:56
